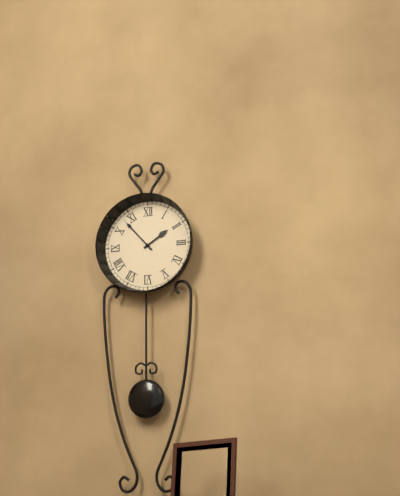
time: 1:53
